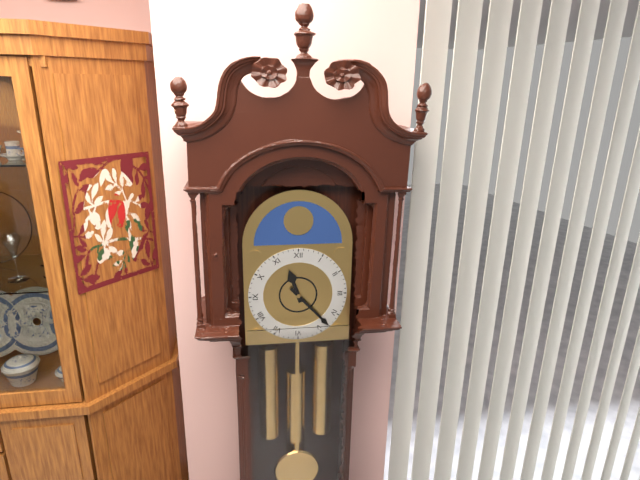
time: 11:23
